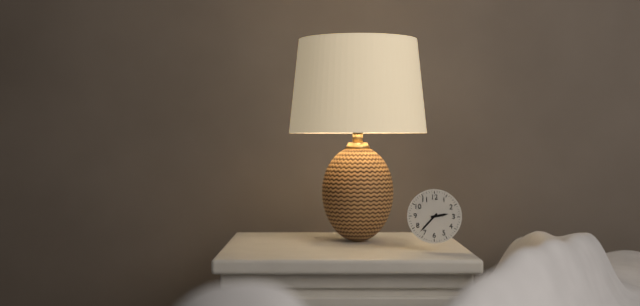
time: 2:37
